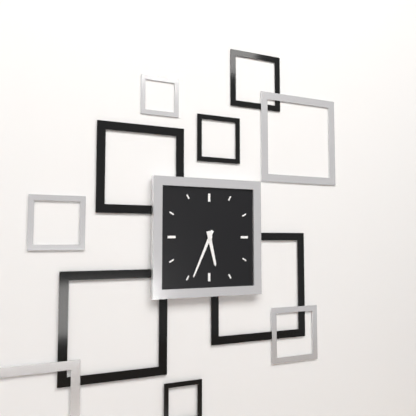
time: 5:34
